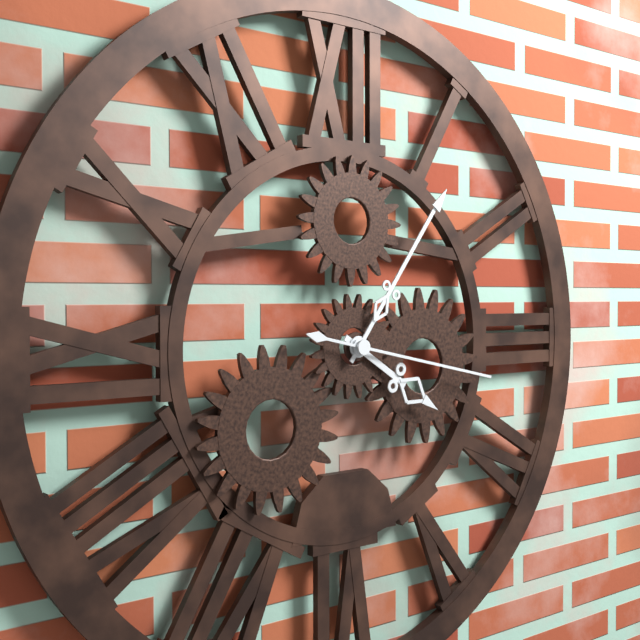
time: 4:06:17
